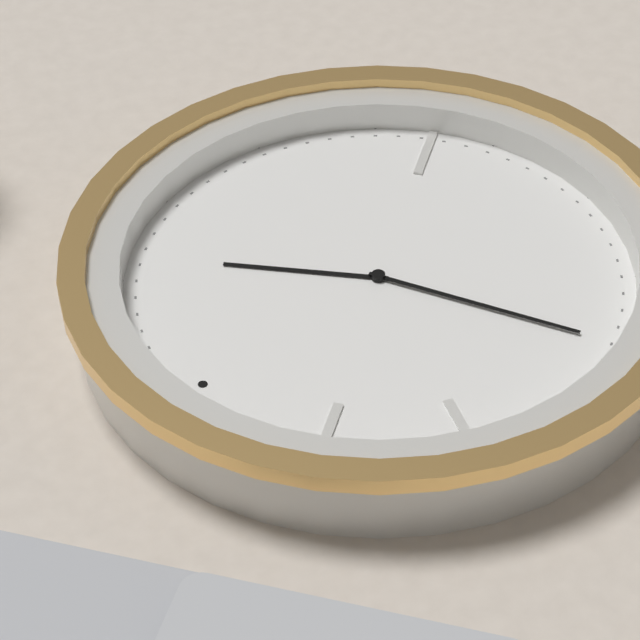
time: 1:41
